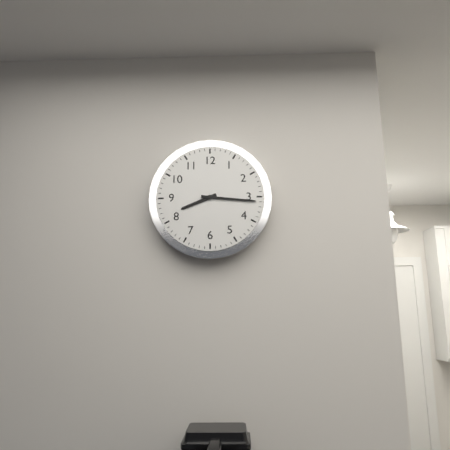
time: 8:16
